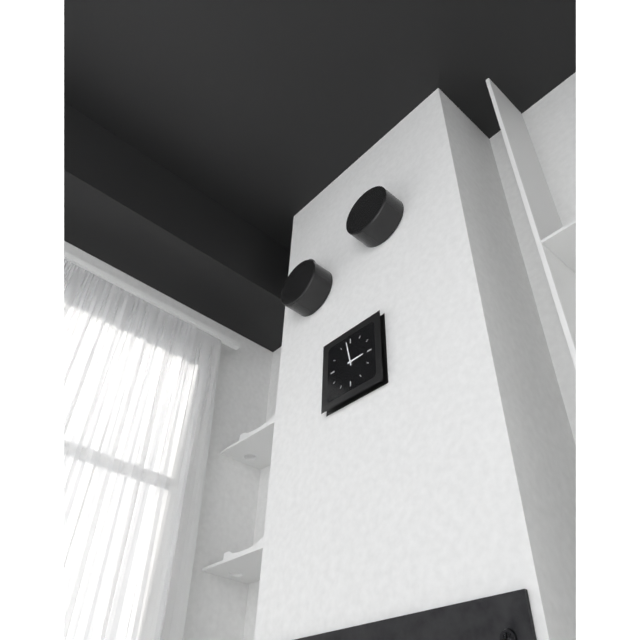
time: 2:58
